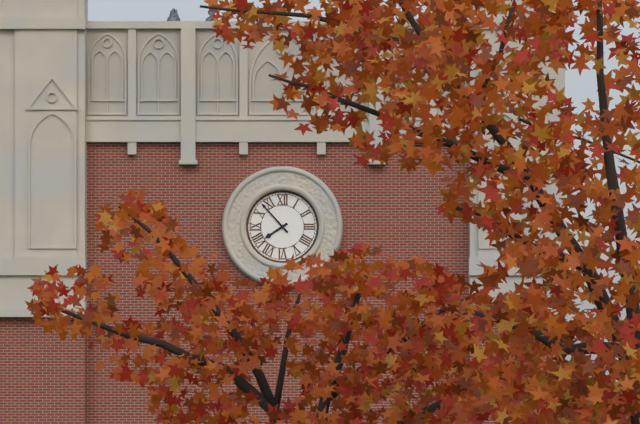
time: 7:53
